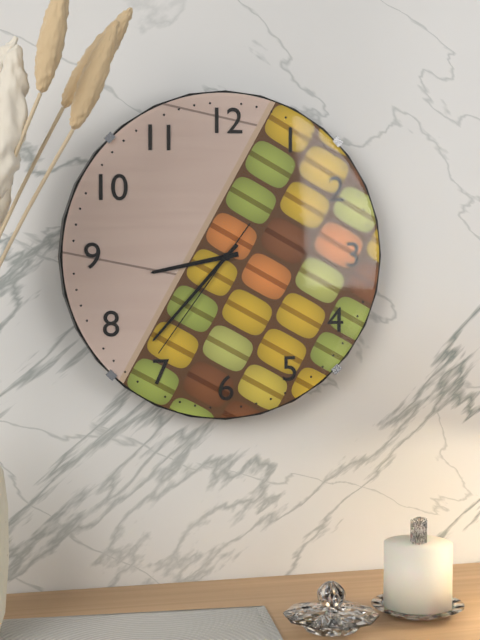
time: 8:37:36
